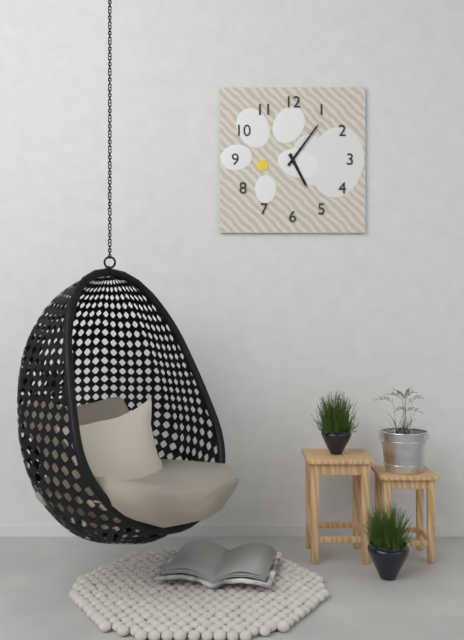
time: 5:06
